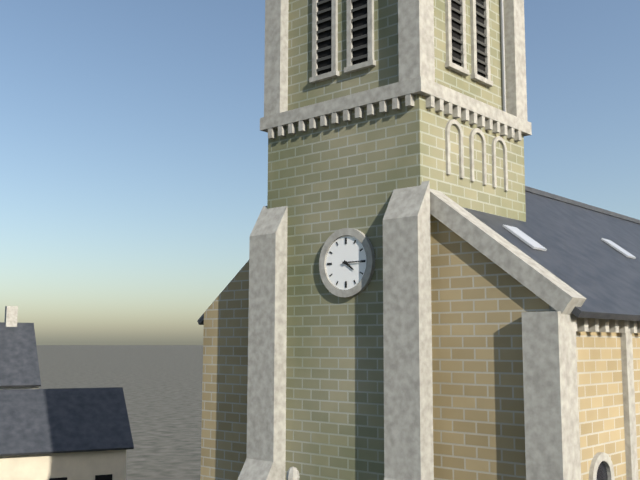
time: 4:15
